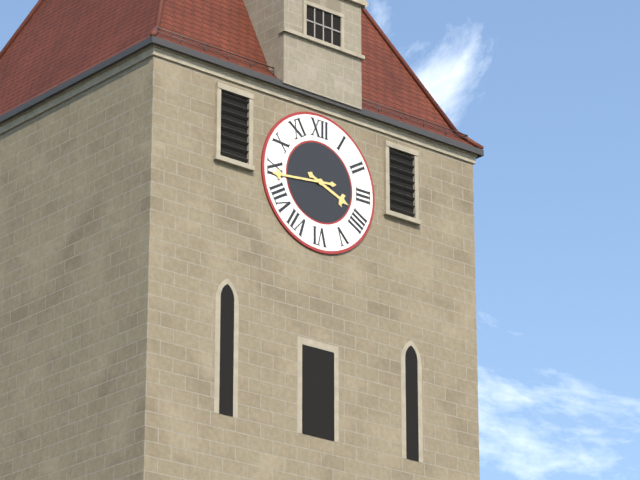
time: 3:44
